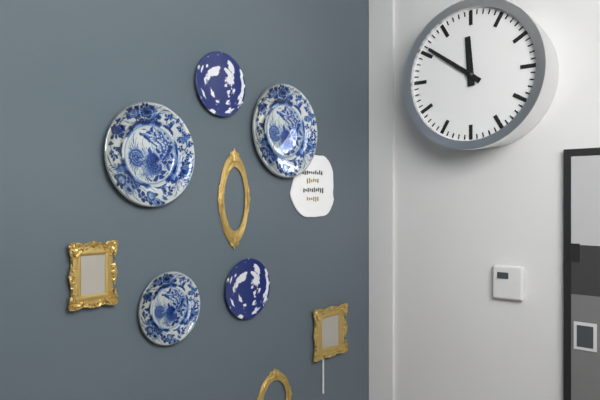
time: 11:51
